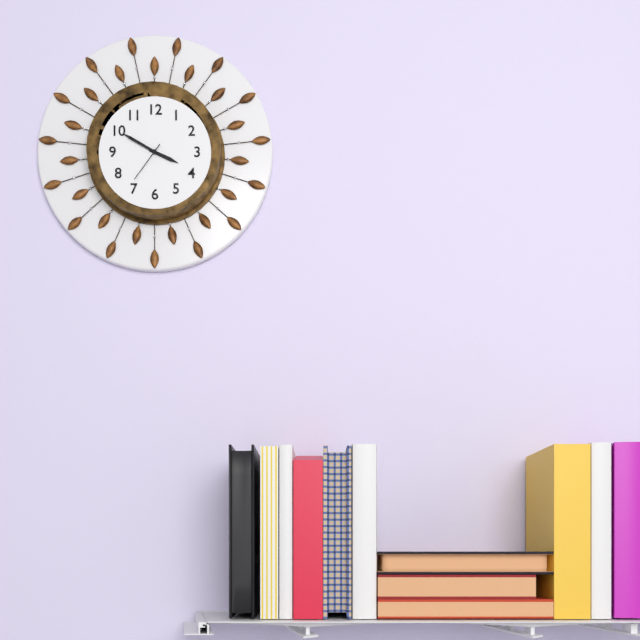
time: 3:50
